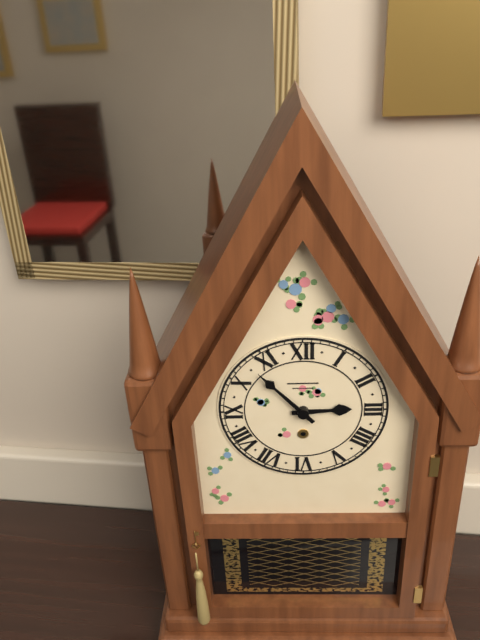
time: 2:53
